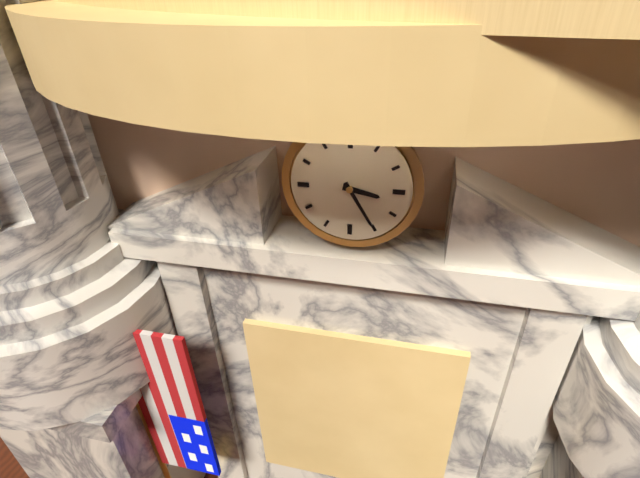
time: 3:25
